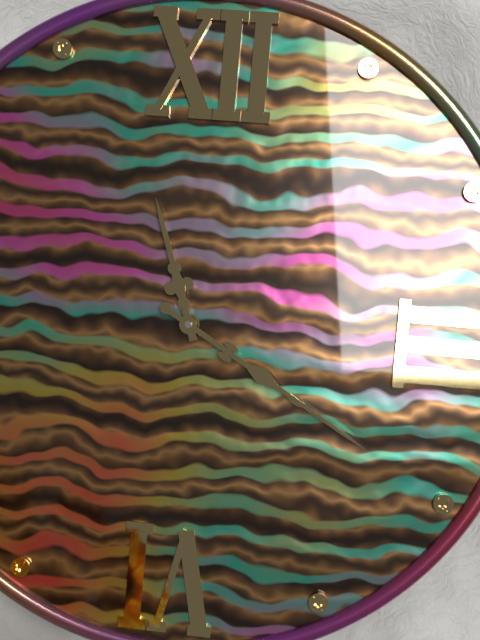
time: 11:20
